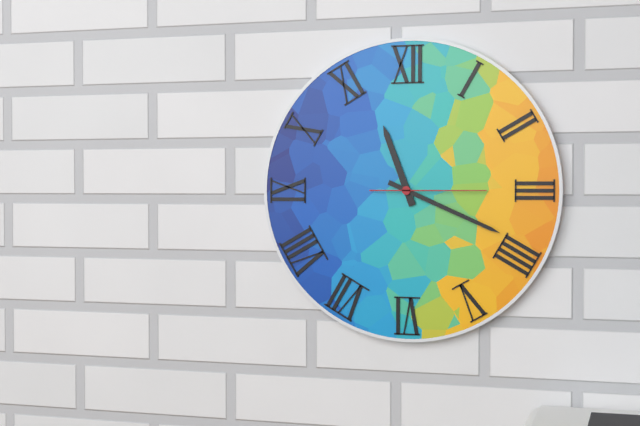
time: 11:19:15
